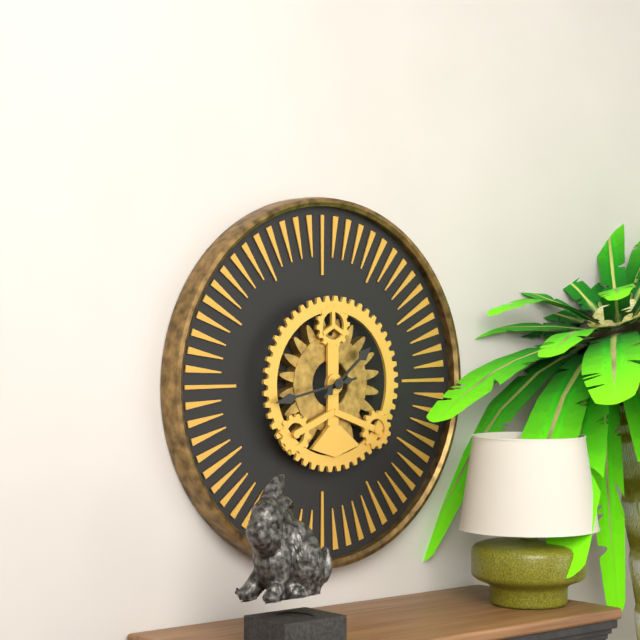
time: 1:43
